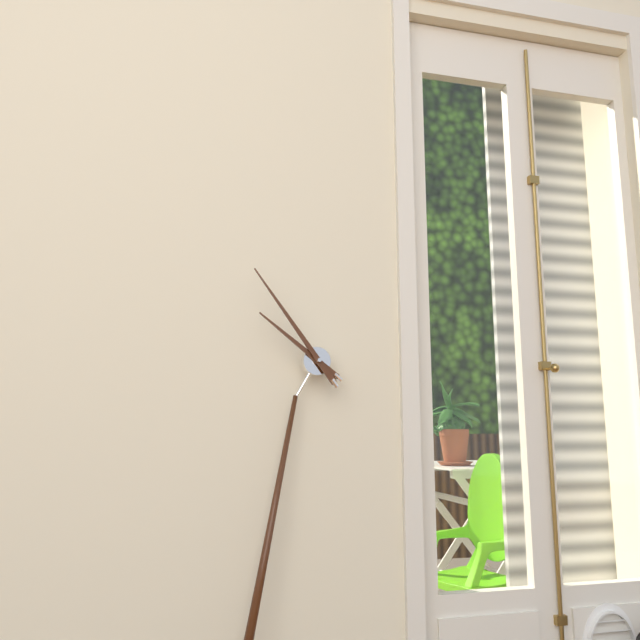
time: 9:52
